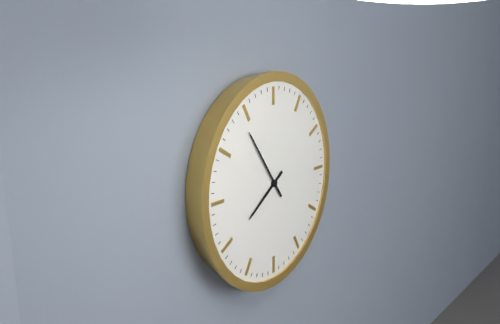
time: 7:54
